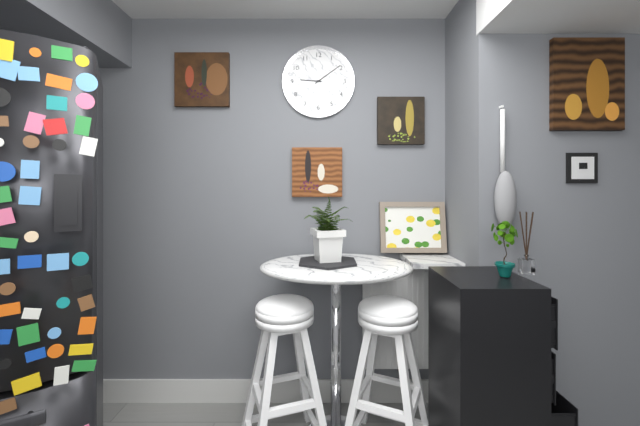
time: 9:09
